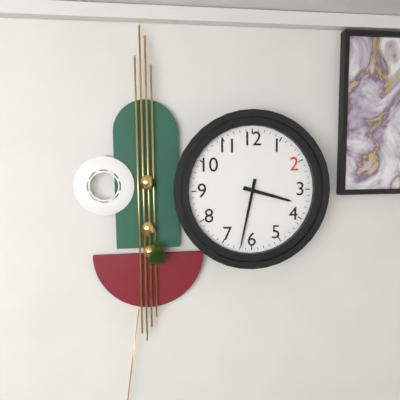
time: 3:32
